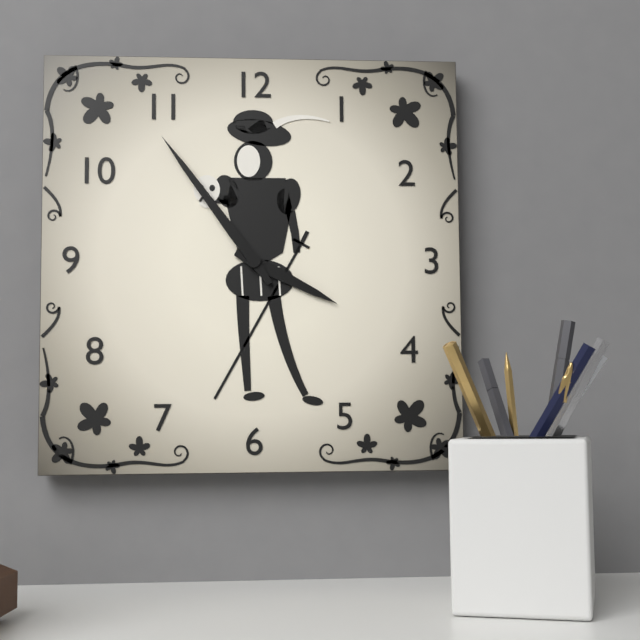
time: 3:54
